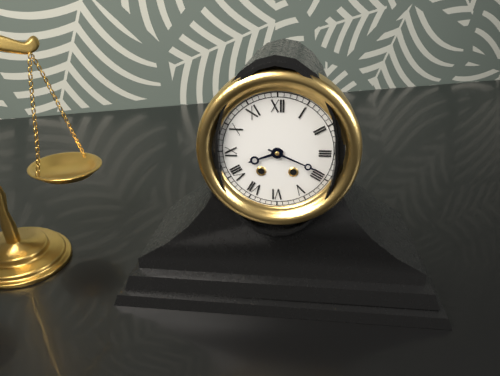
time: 8:19
